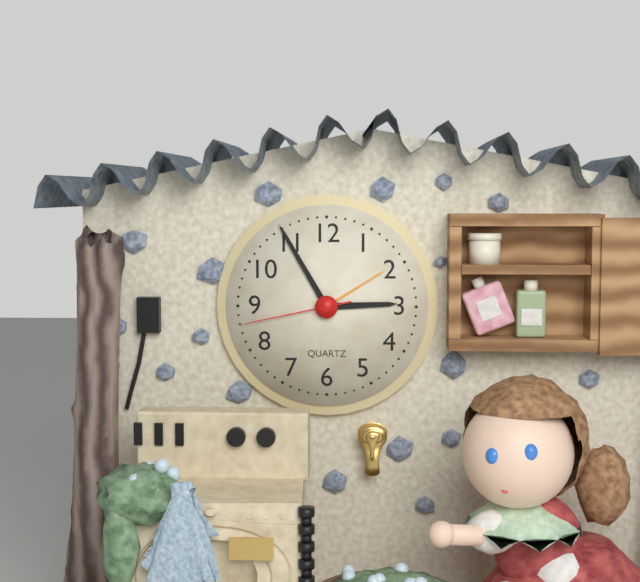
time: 2:55:43
